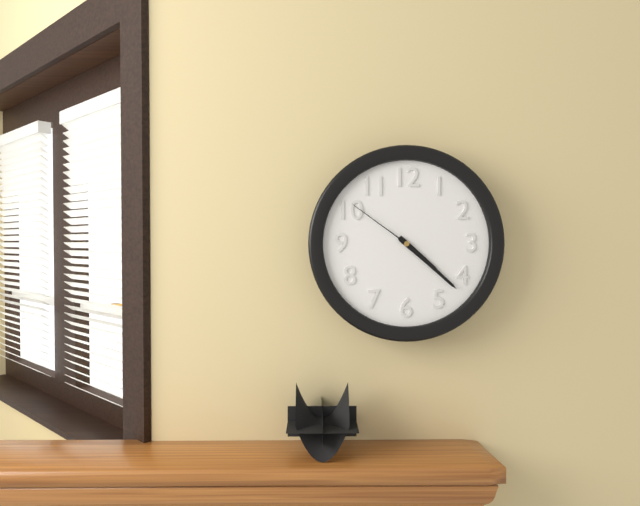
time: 4:22:51
